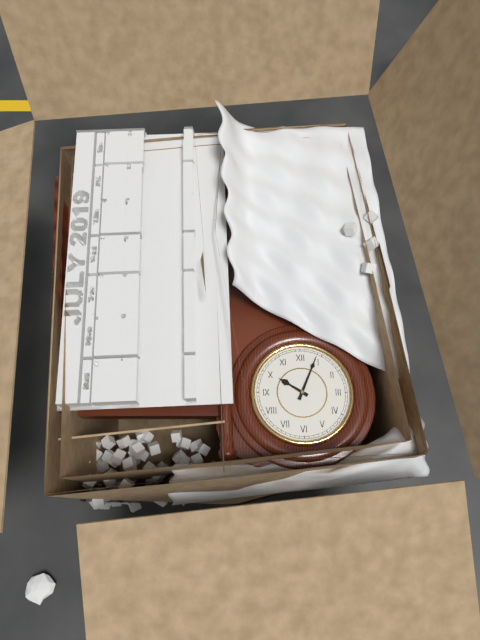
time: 10:04
